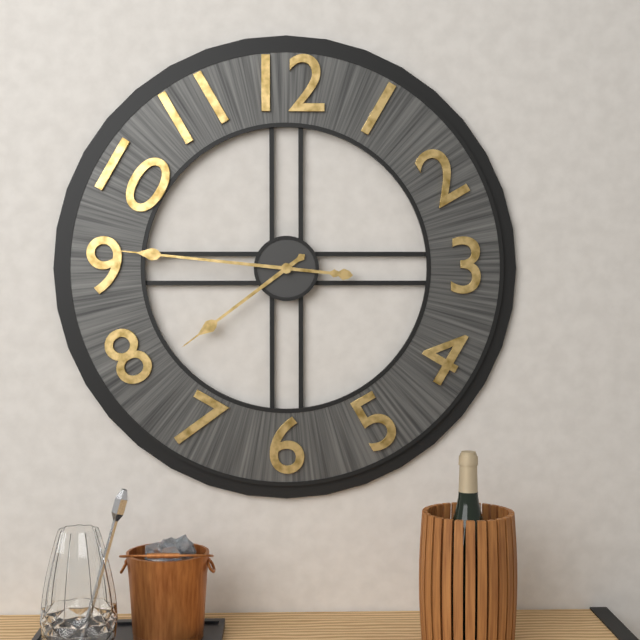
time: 7:46
